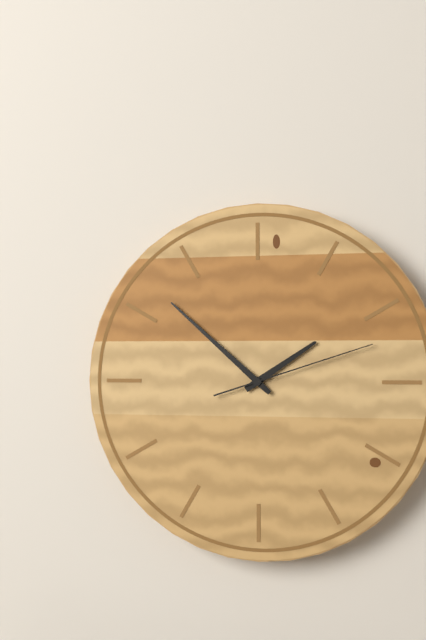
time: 1:52:12
